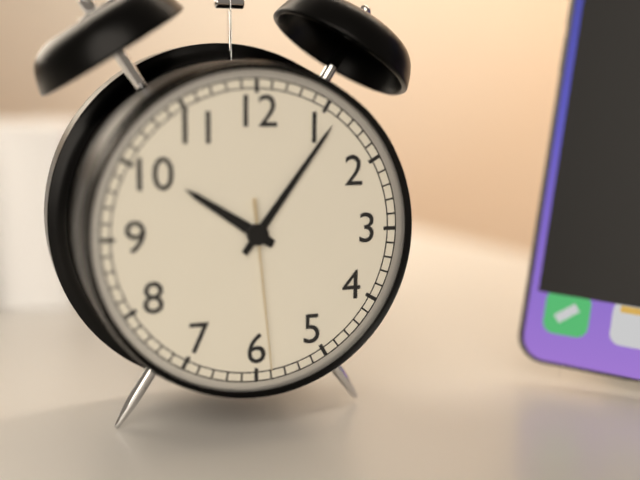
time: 10:06:29
